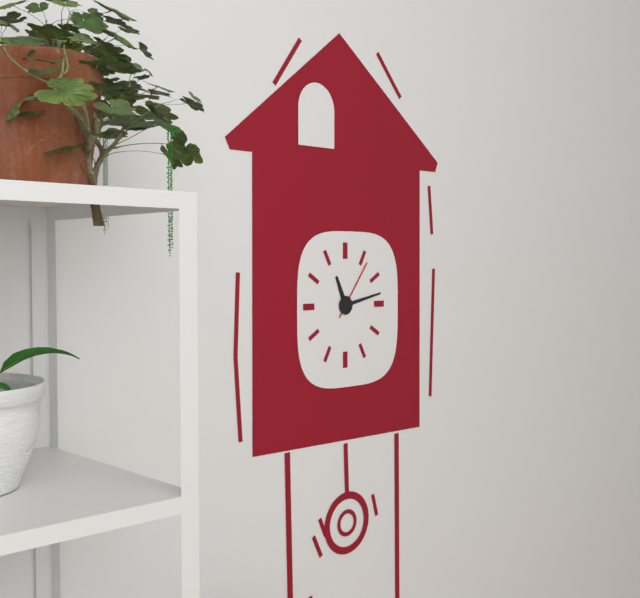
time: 11:13:06
